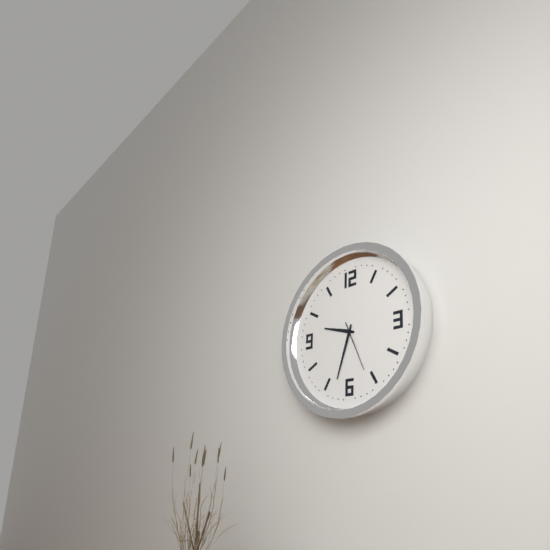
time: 9:33:26
